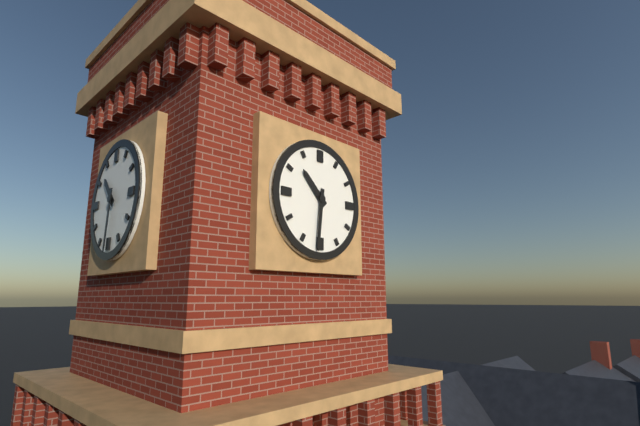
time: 10:31
